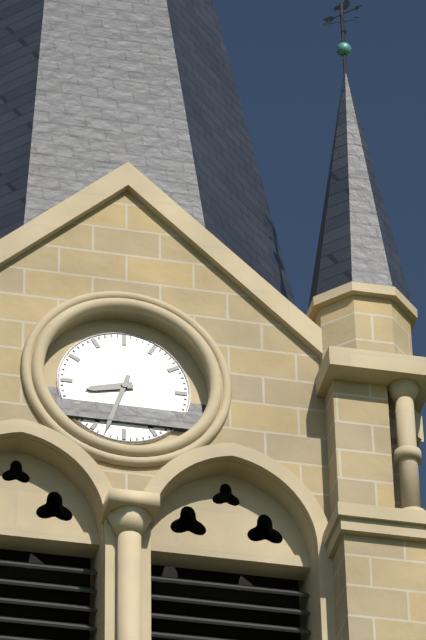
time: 8:33
